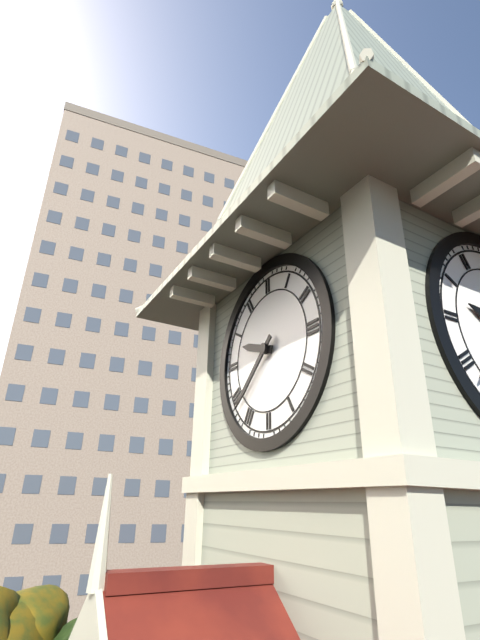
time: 9:38
